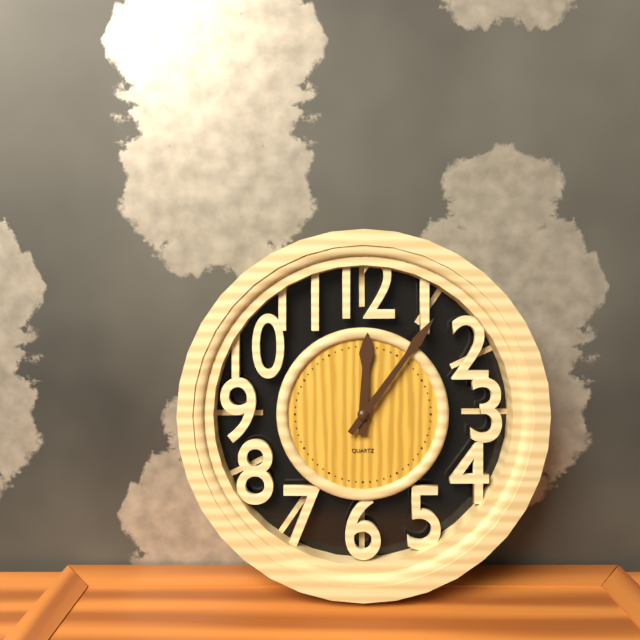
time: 12:06
